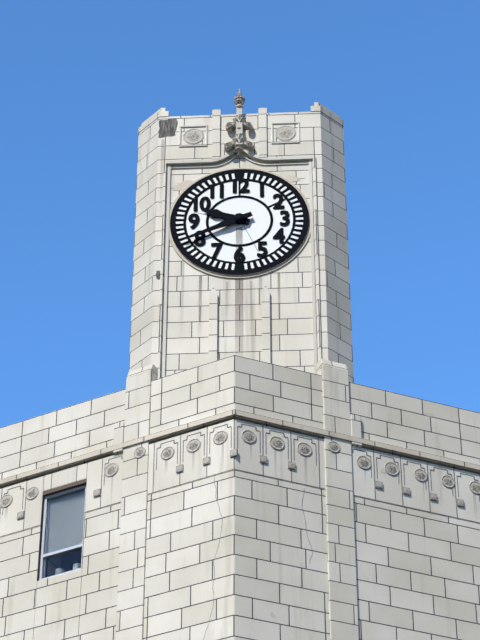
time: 9:41
